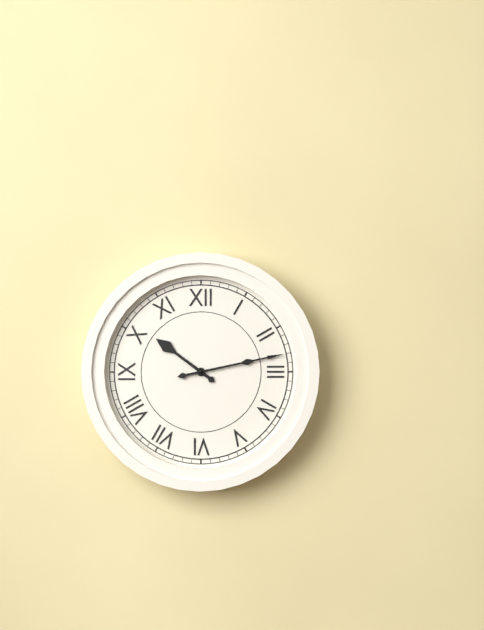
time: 10:13
